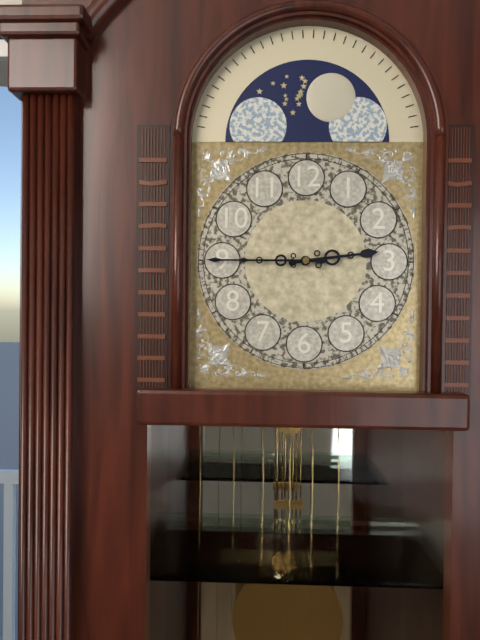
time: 2:45
